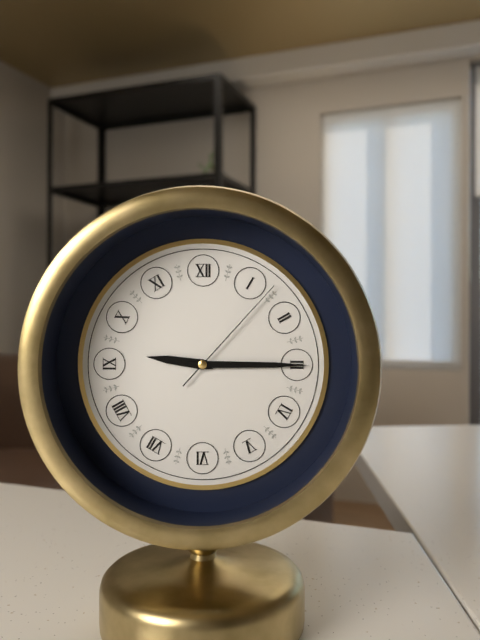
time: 9:15:07
